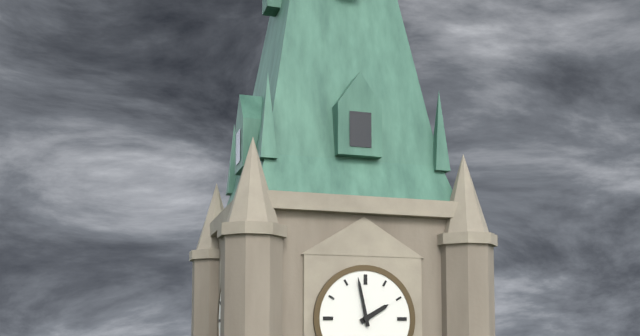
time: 1:58
